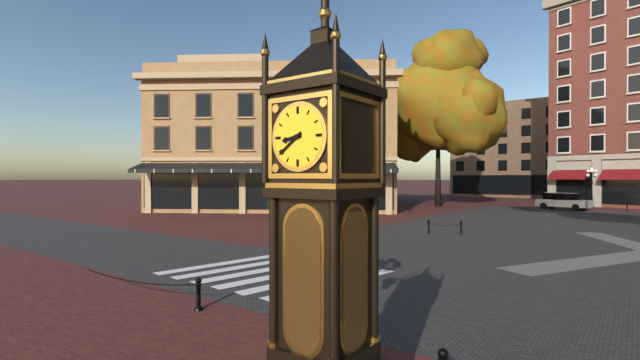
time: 8:39
